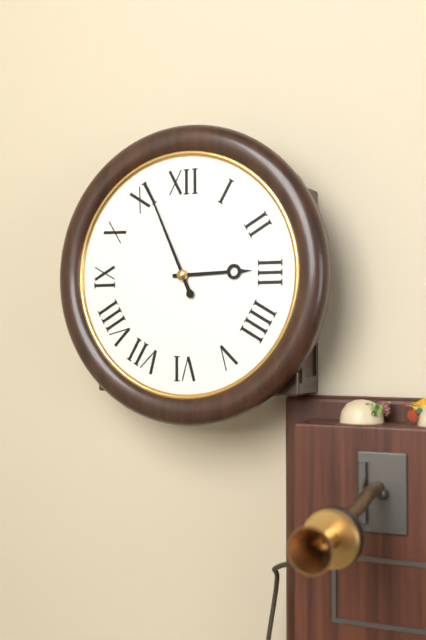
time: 2:56
